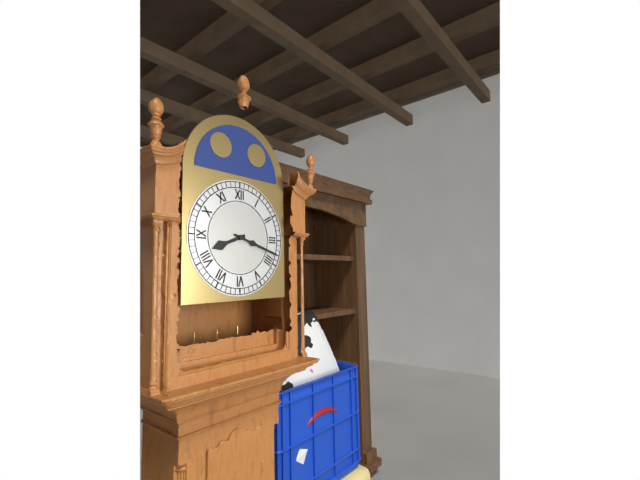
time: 8:18
